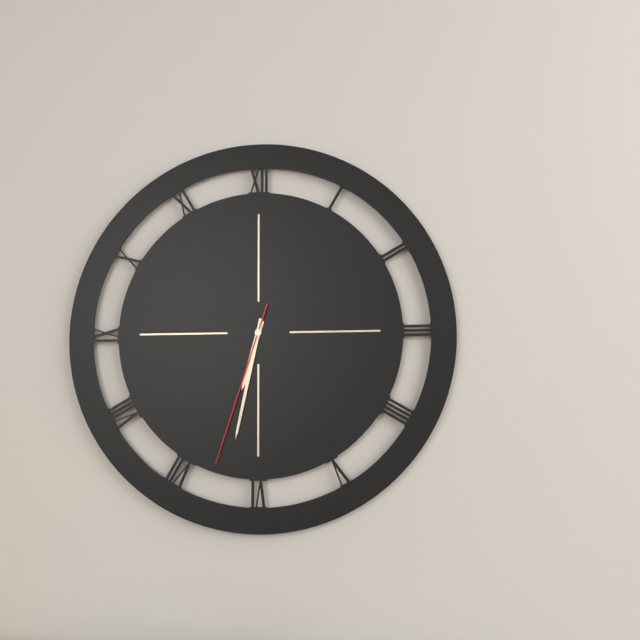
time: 6:32:33
